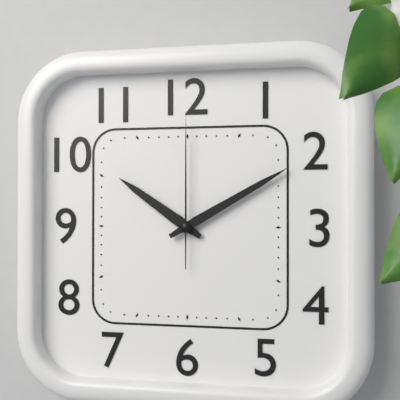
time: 10:10:00
